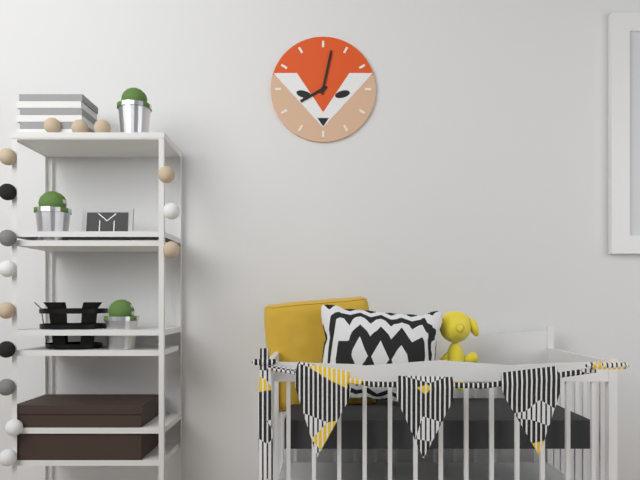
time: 8:02
